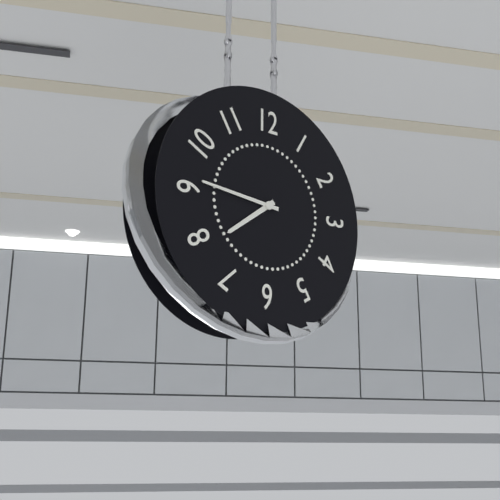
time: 7:46
